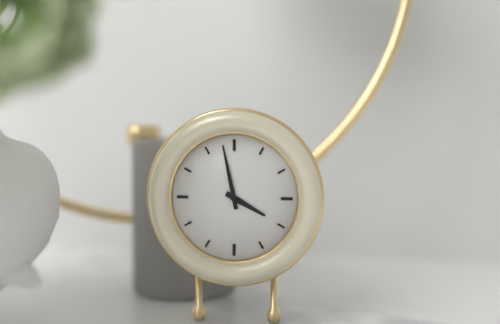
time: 3:58
